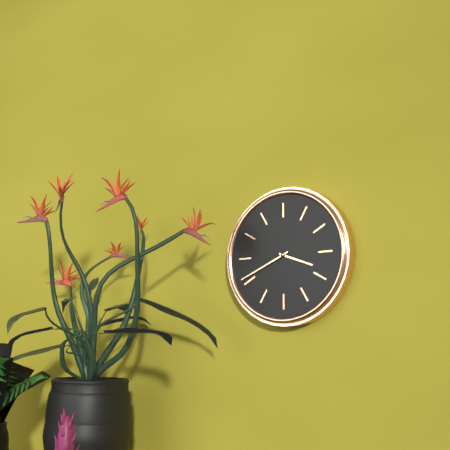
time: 3:41
